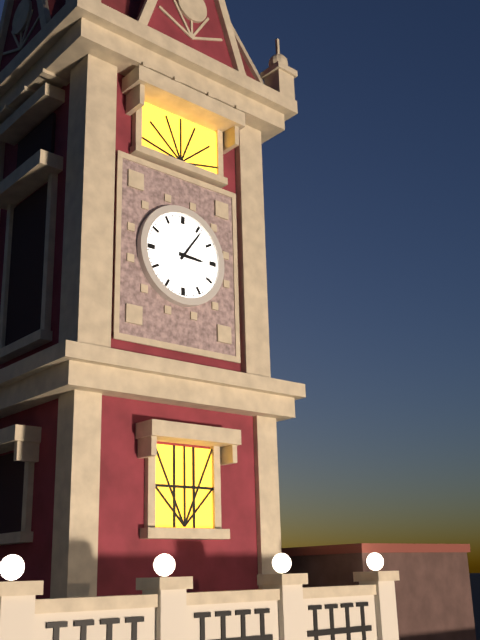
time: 3:06
